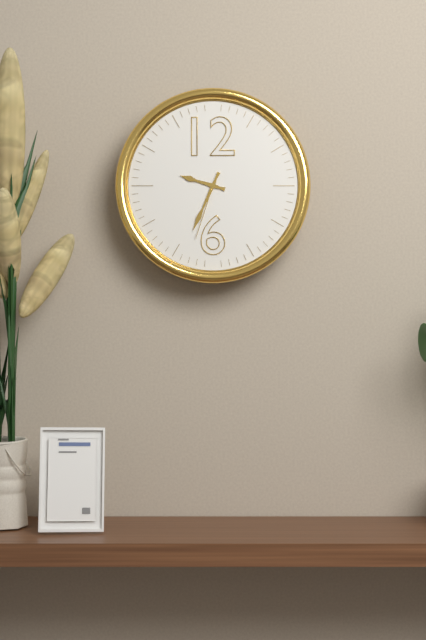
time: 9:34:33
